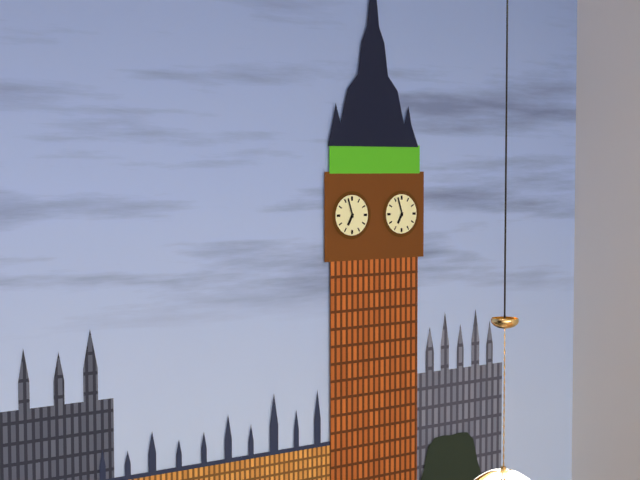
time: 6:57
